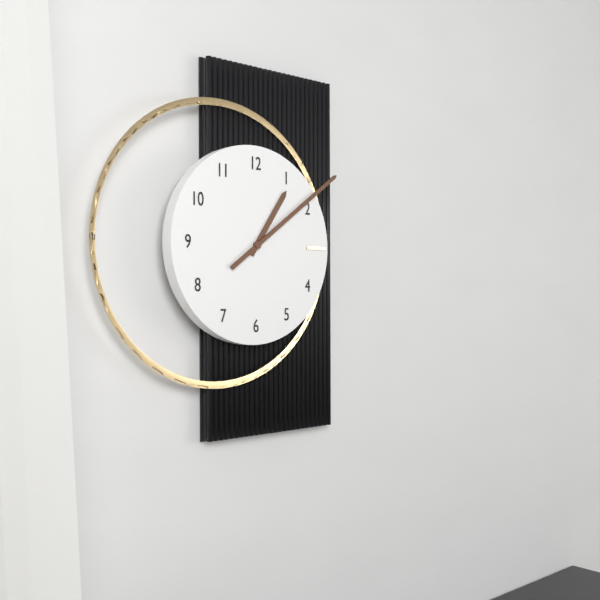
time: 1:09
